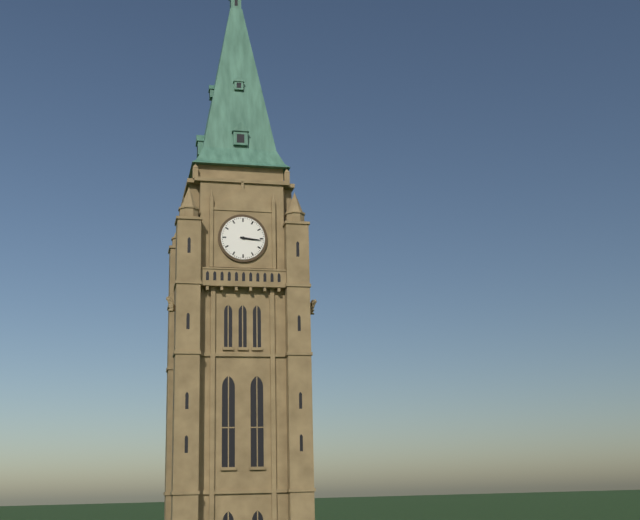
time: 3:16
